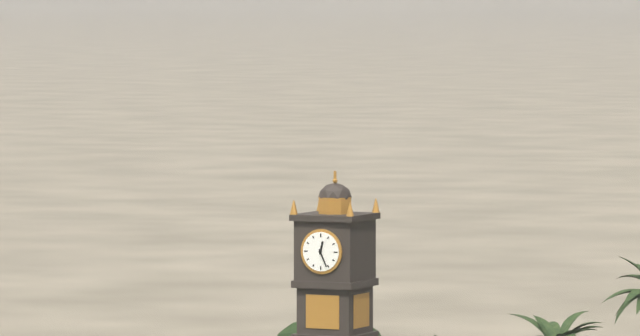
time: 12:26
